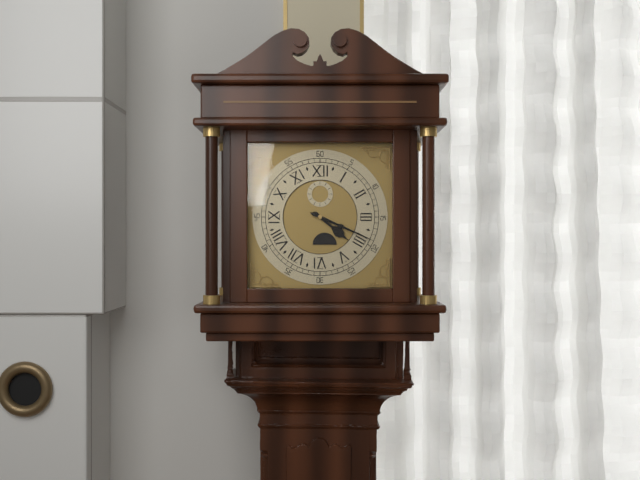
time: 4:19
